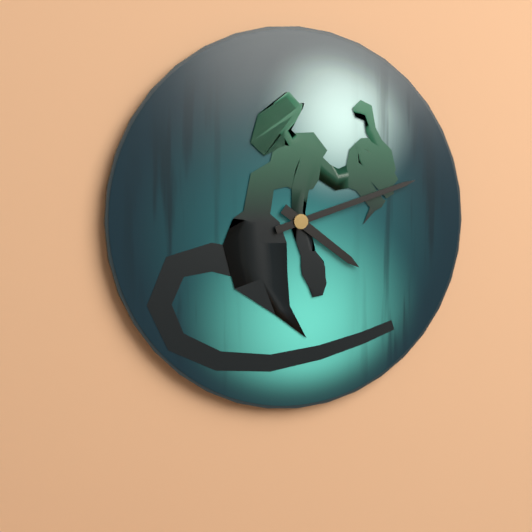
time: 4:12
